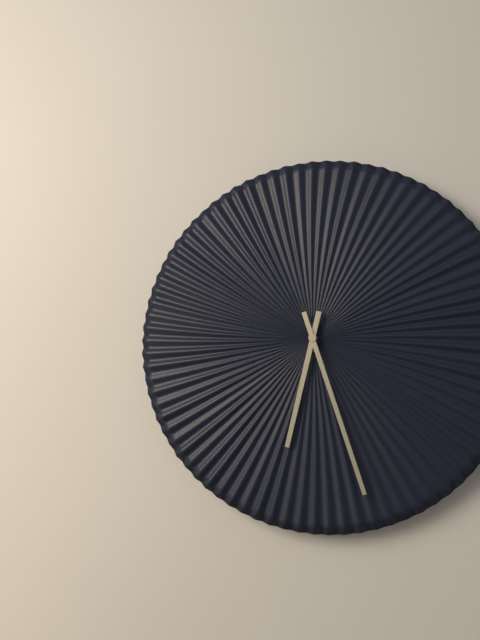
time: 6:27
